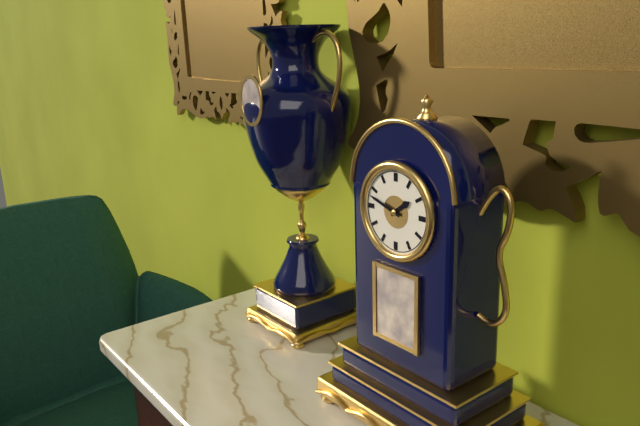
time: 1:48
